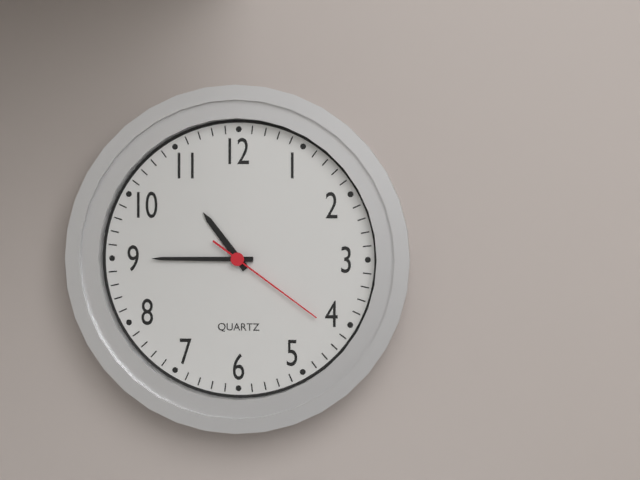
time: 10:45:21
